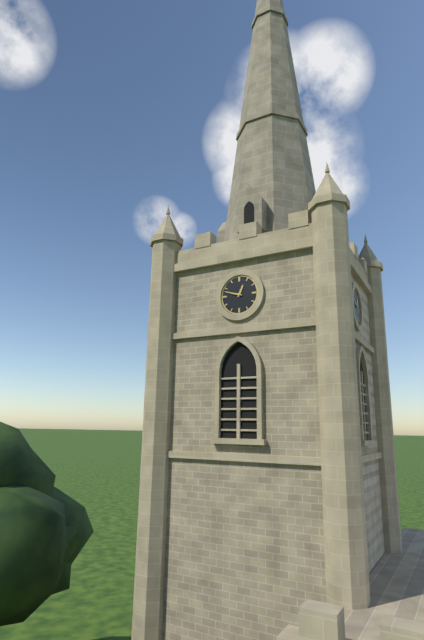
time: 12:48
